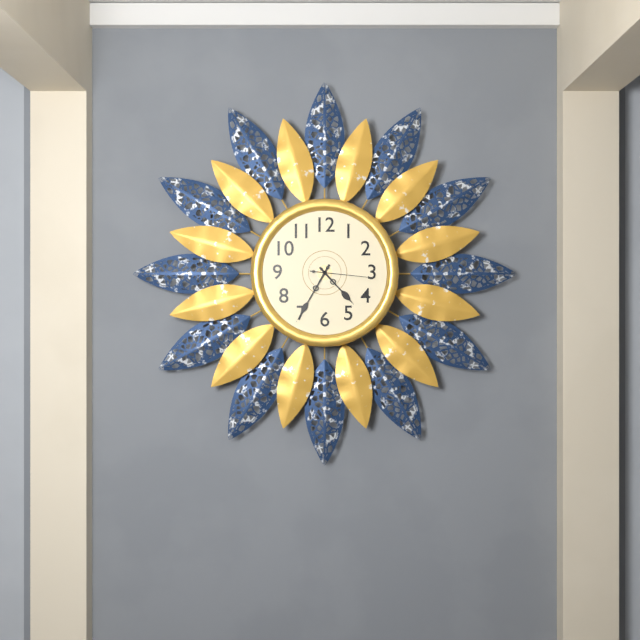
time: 4:35:16
